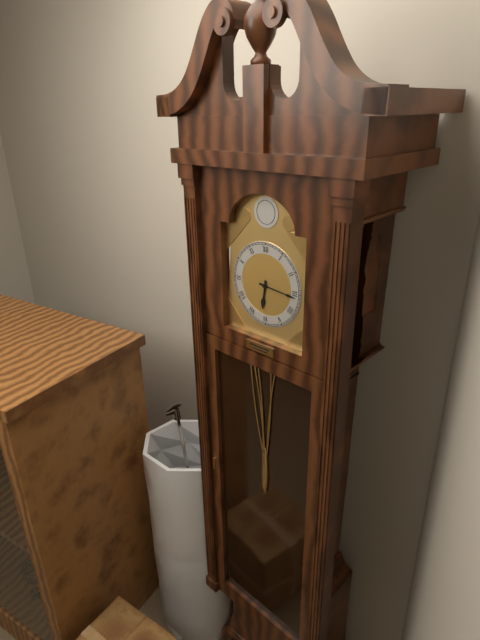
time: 6:16
